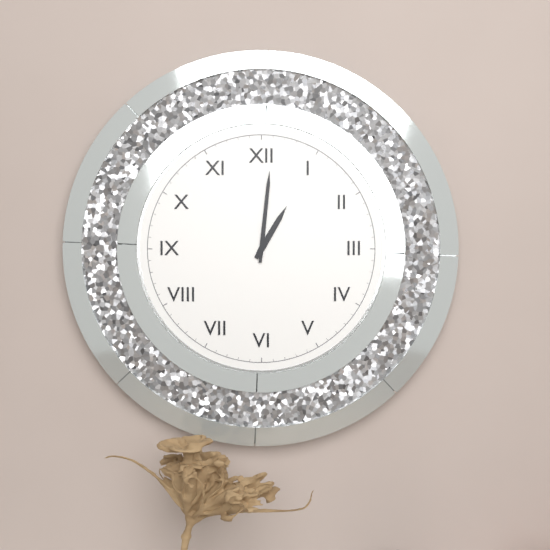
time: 1:01
